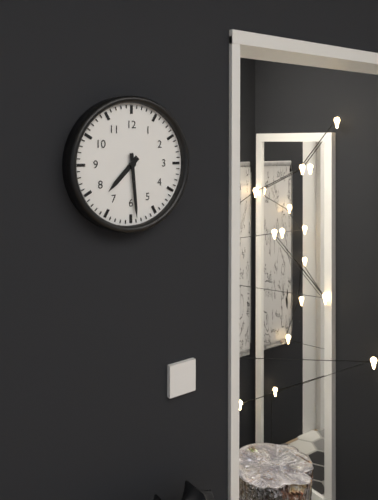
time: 7:29
